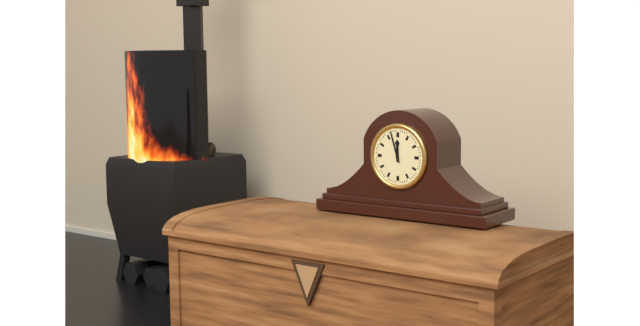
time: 11:57
